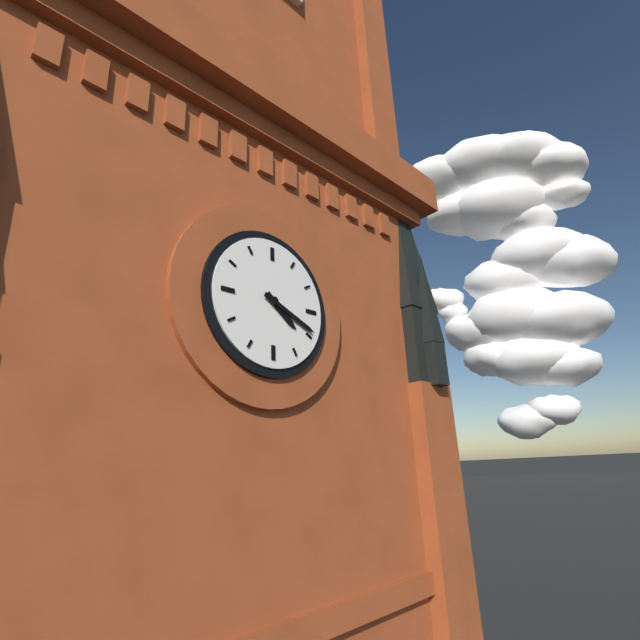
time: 4:19
